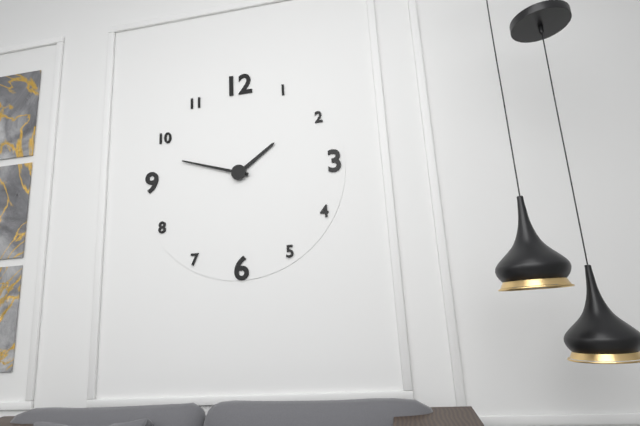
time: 1:48
